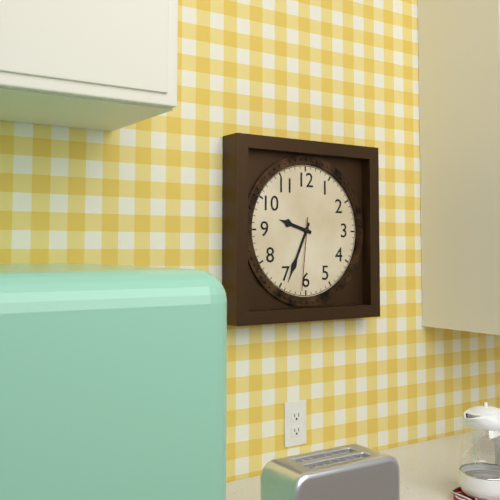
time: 9:34:31
